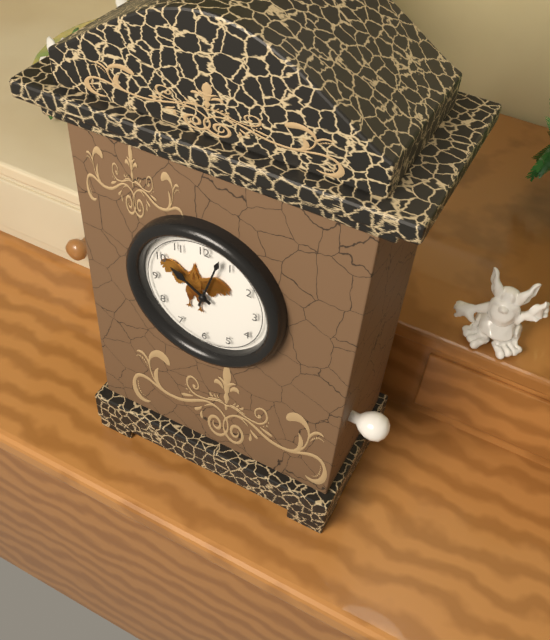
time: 10:03
